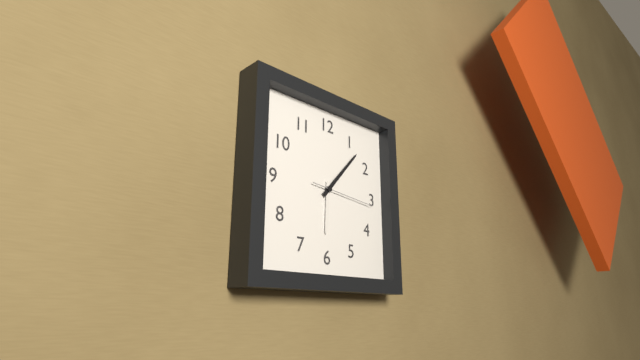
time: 6:07:16
